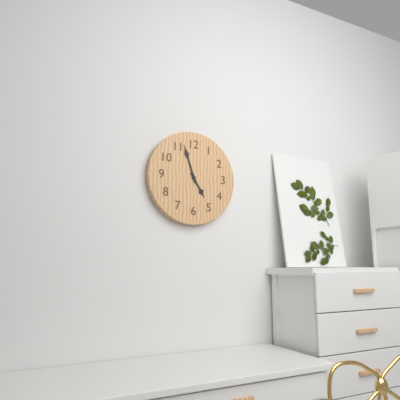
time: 4:57
